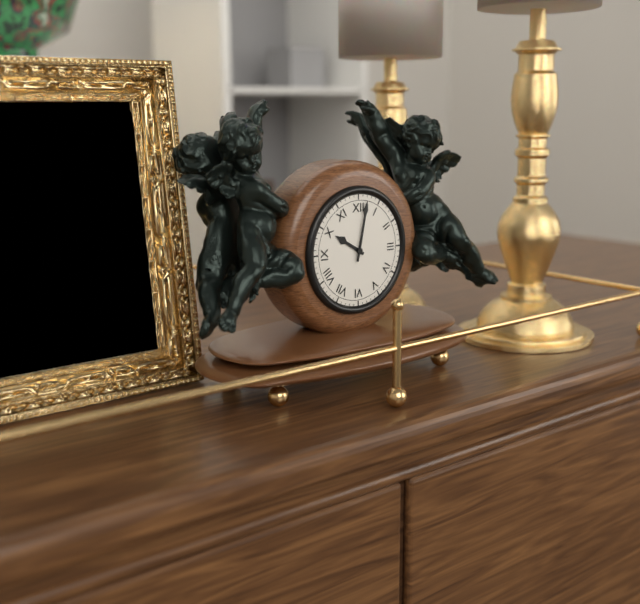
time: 10:02
